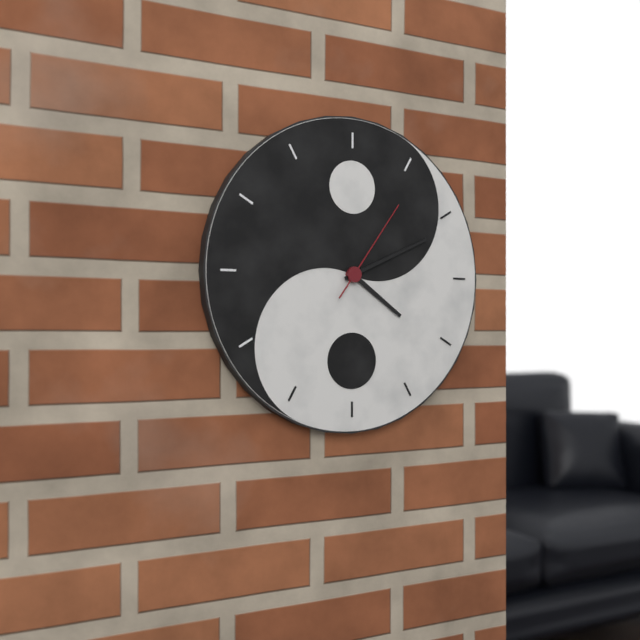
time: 4:11:06
